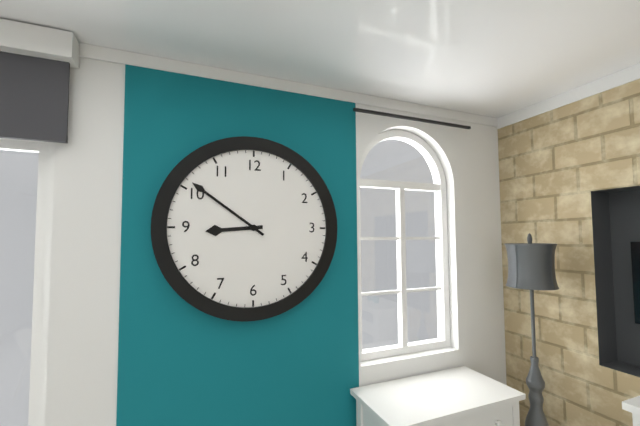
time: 8:51
